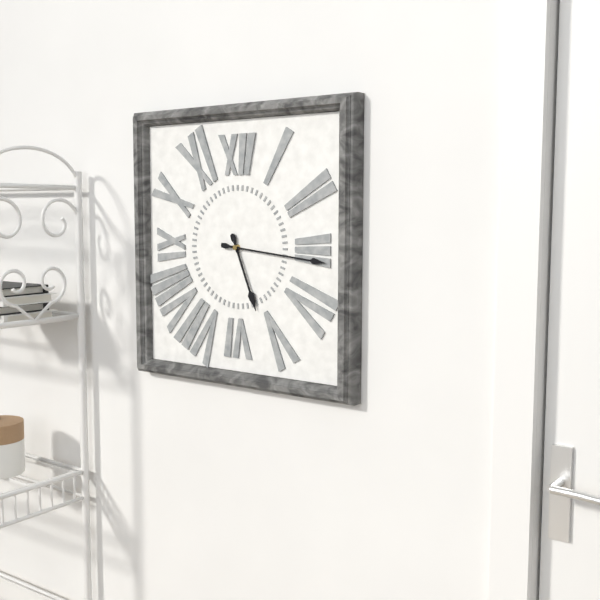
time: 5:16
